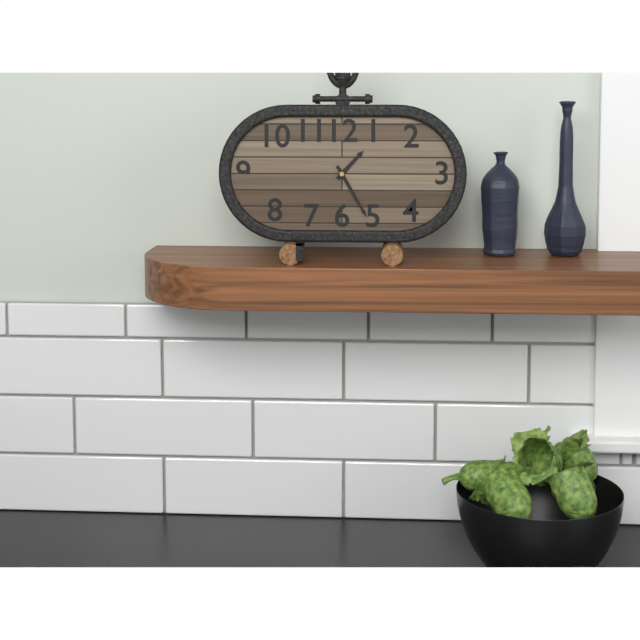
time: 1:25
